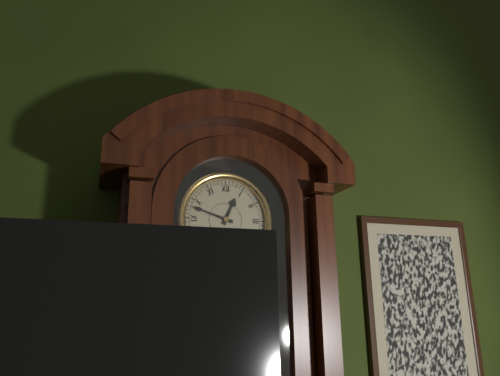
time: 12:48
